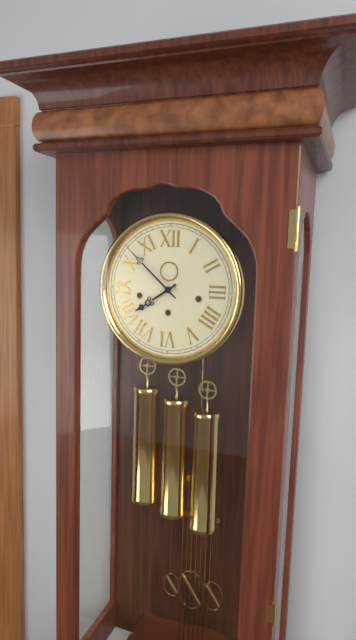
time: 7:52
